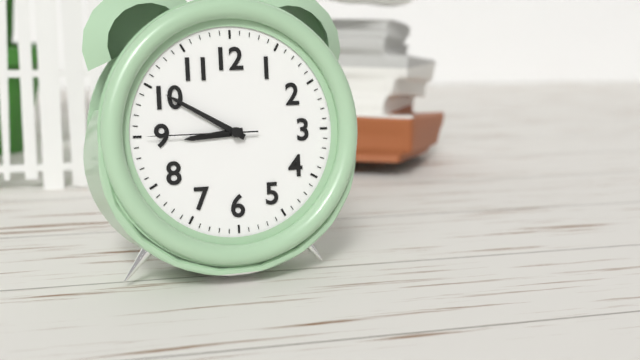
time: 8:50:45
